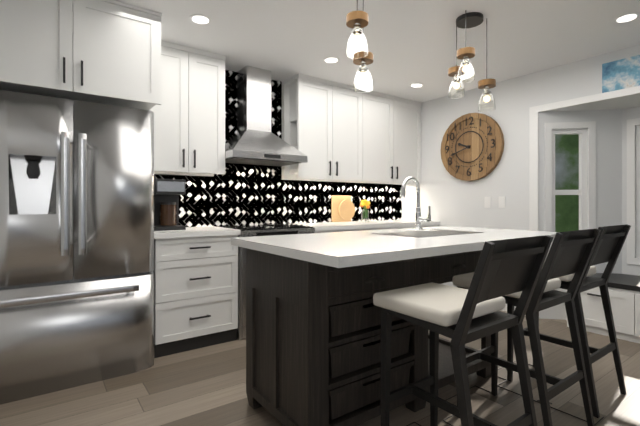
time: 9:42
